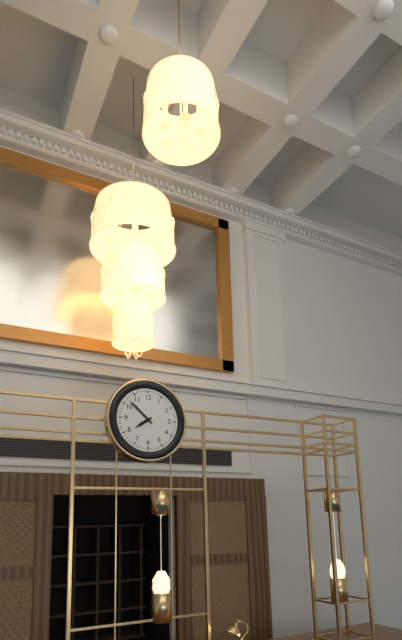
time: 7:52
